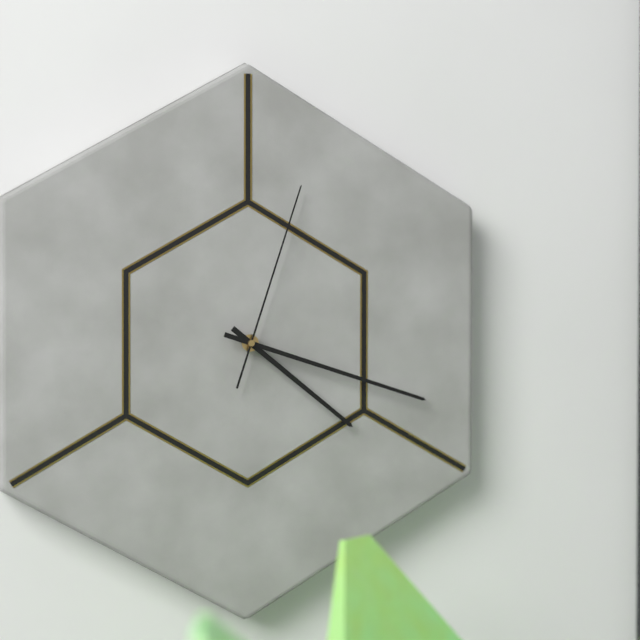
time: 4:18:03
